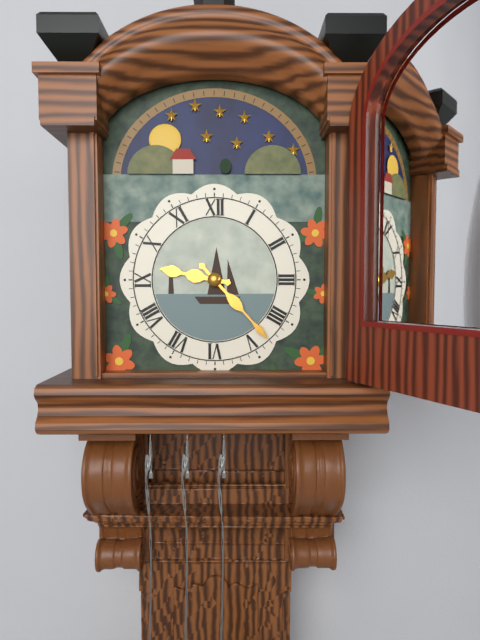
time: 9:23
